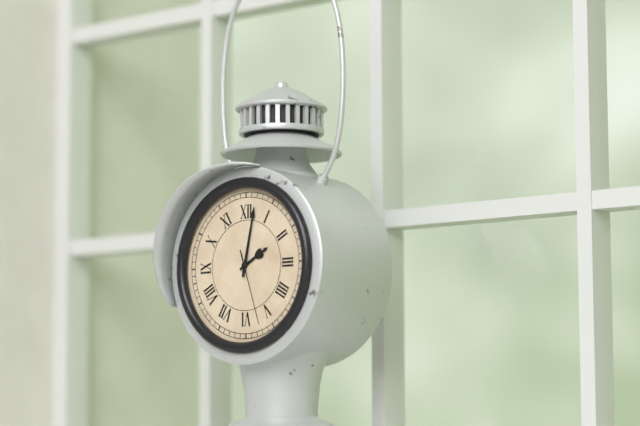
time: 2:02:27
